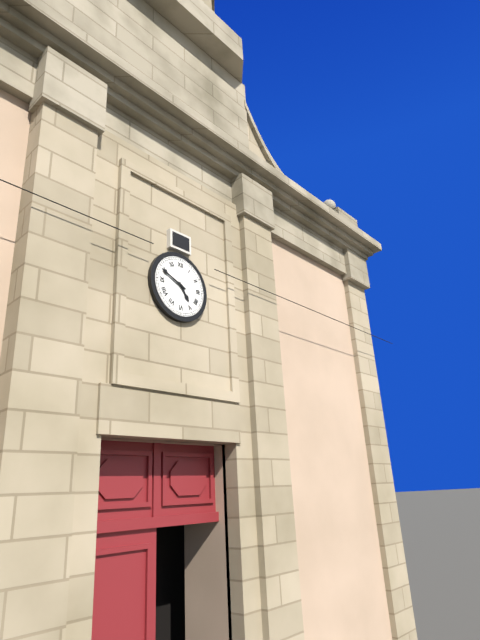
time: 4:49
